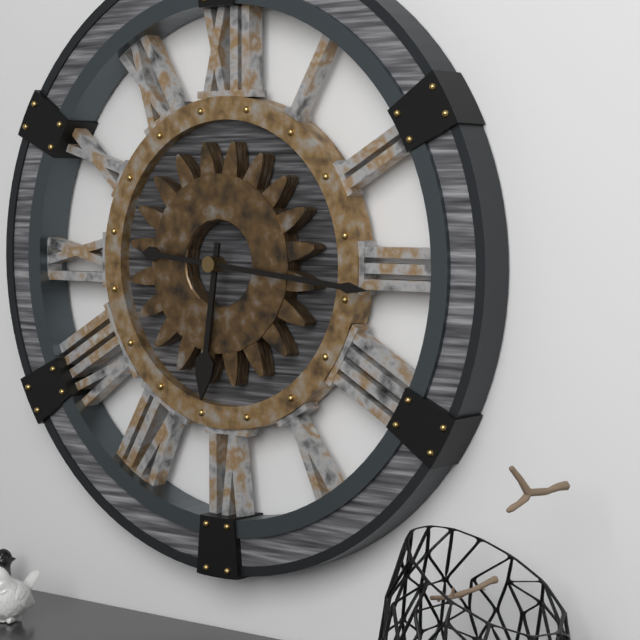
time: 6:16
